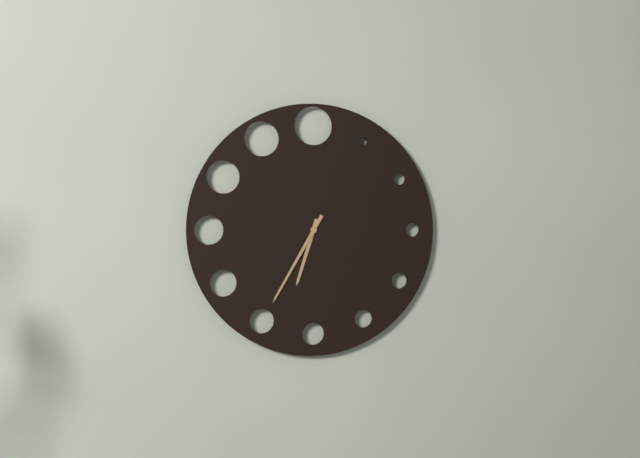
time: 6:35
